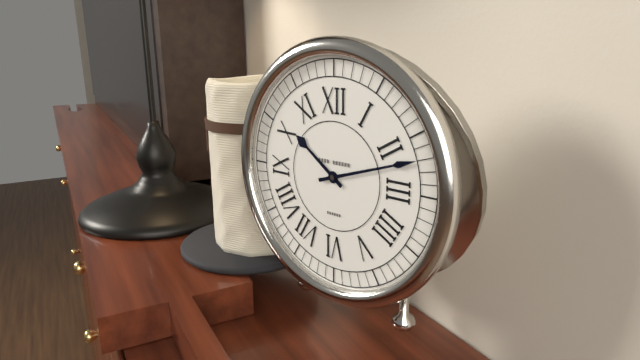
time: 10:12
